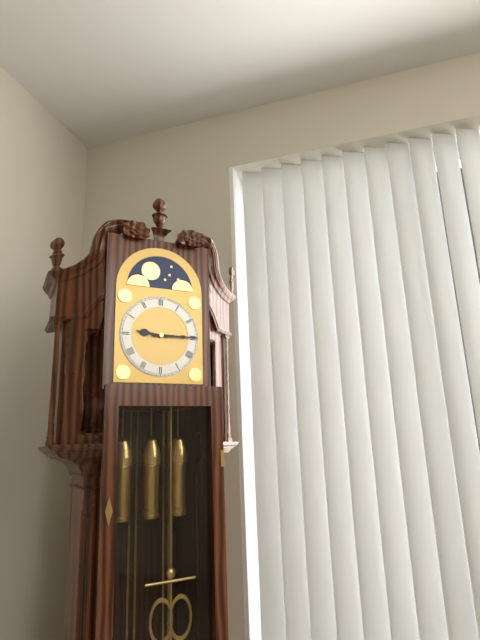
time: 9:15
